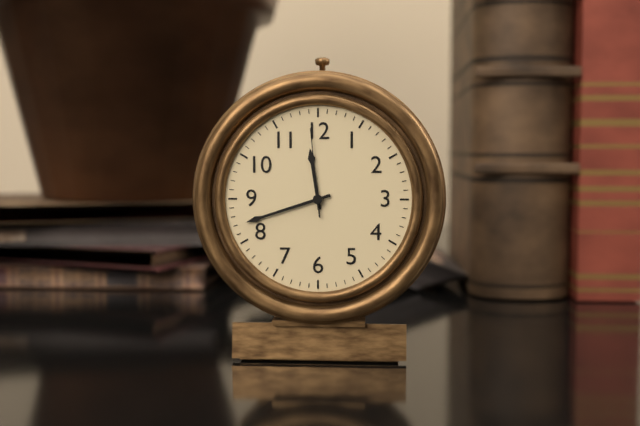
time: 11:42:59
